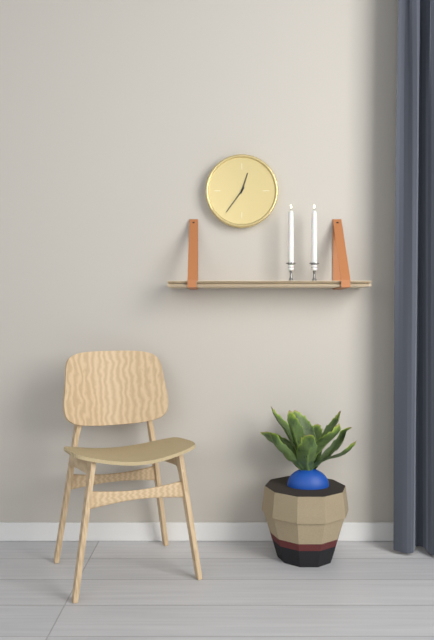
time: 12:36
